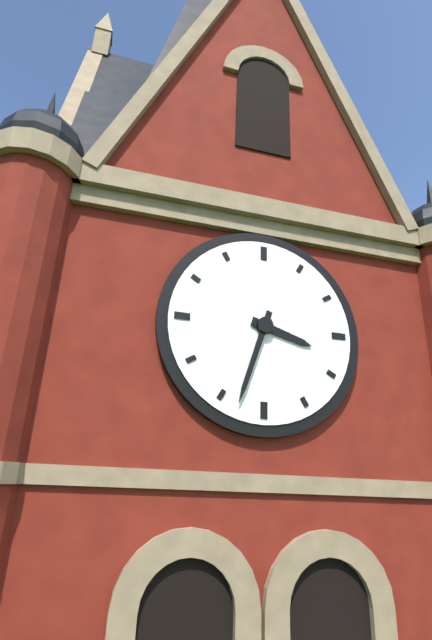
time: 3:33
